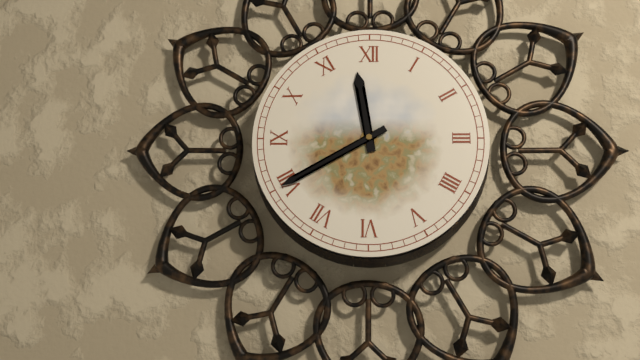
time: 11:40
